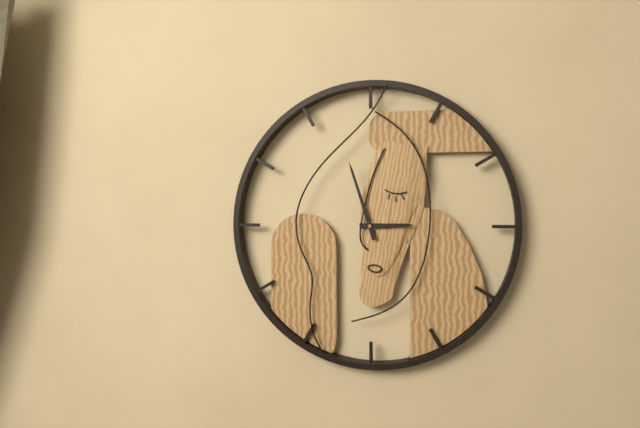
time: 2:57
